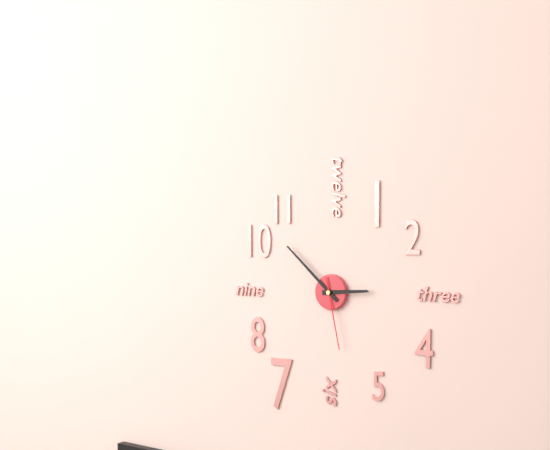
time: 2:52:28
